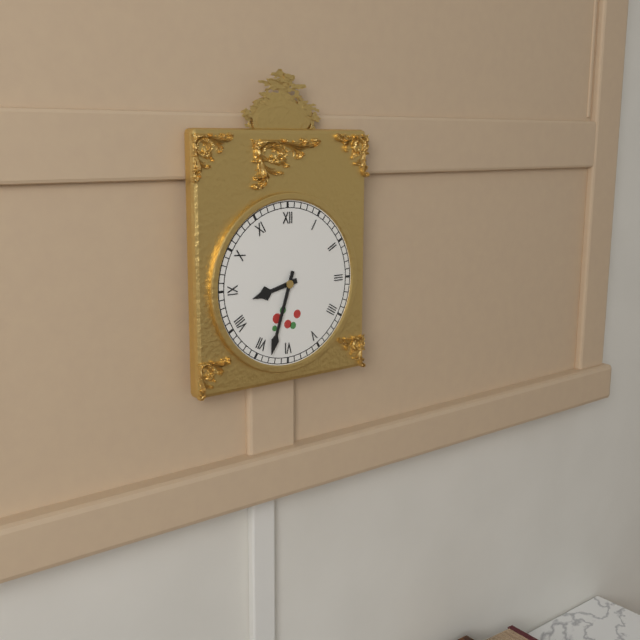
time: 8:33
